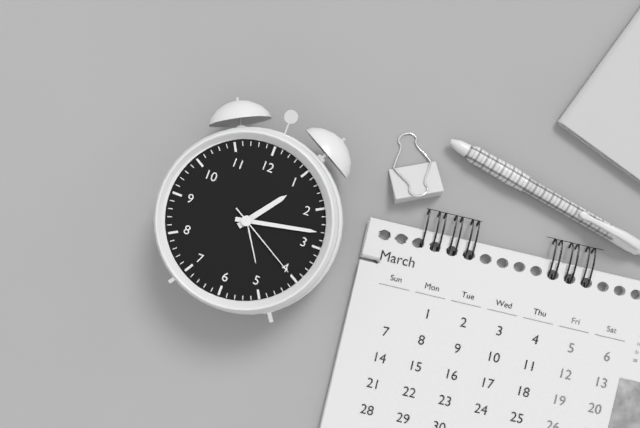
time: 1:13:20
